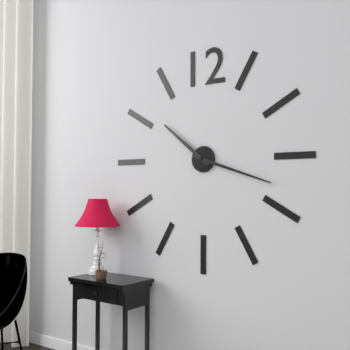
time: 10:18
